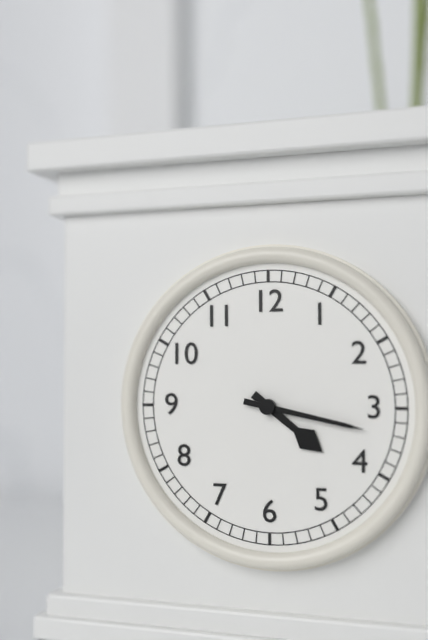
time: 4:17
